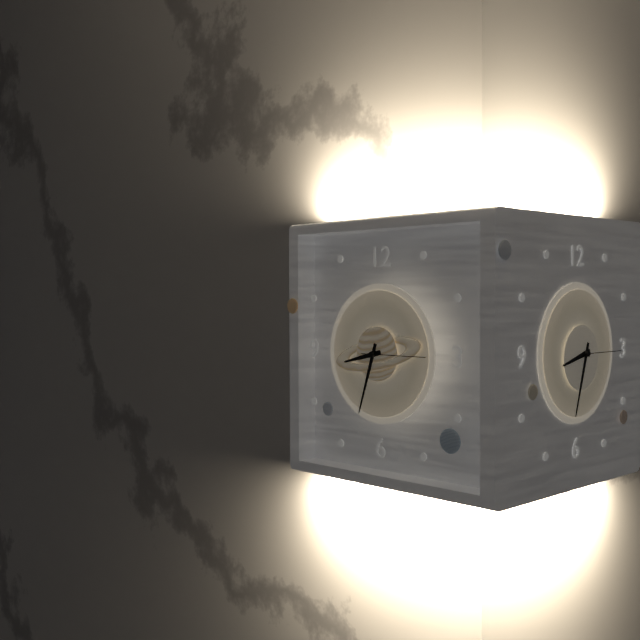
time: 8:33:15
